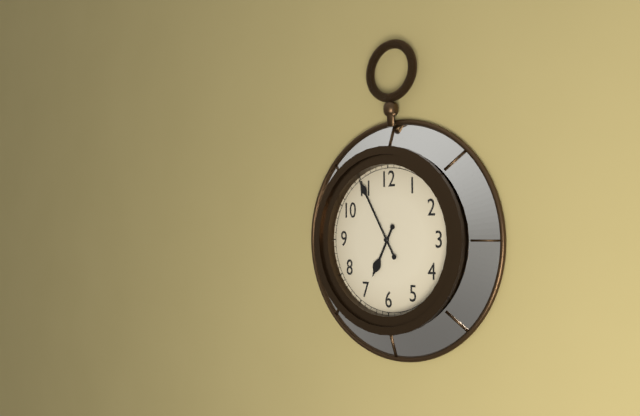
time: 6:55
